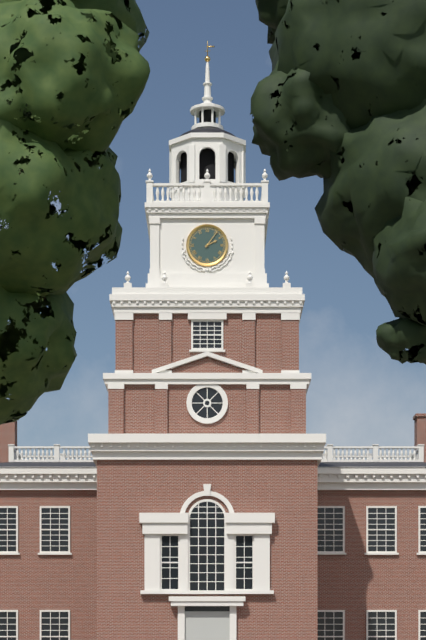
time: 2:06
